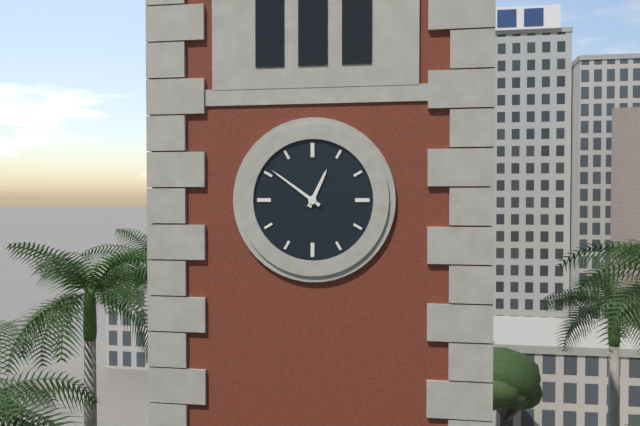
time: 12:51
